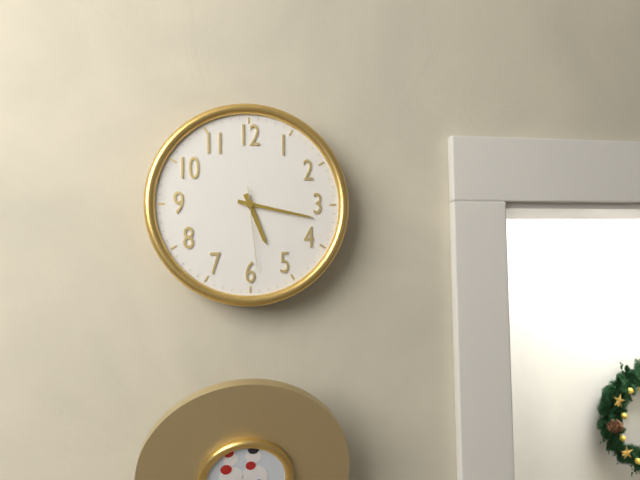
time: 5:17:29
